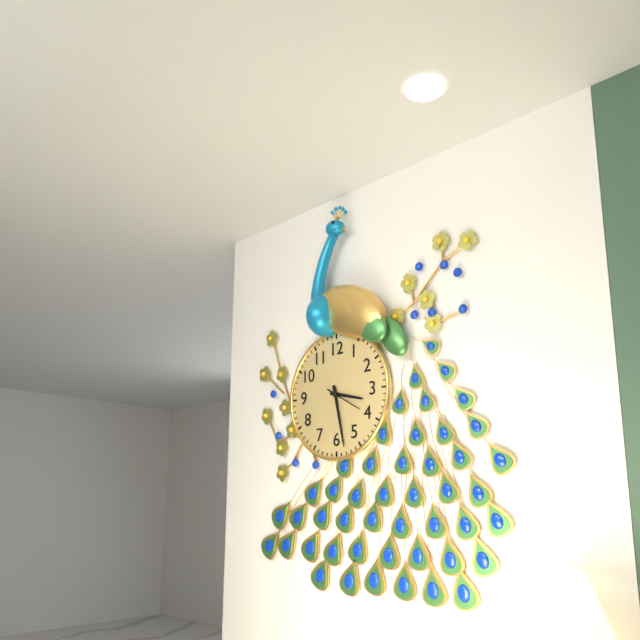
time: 3:28
